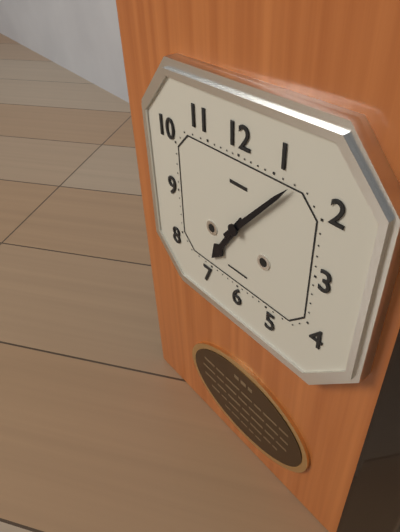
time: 7:07
